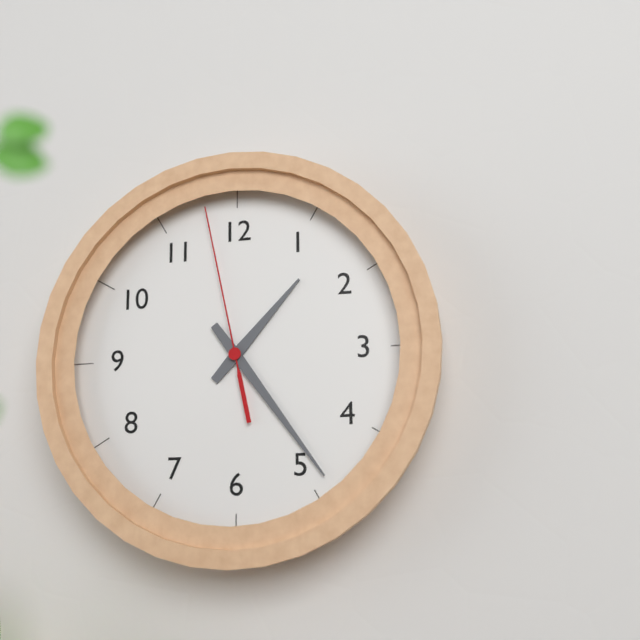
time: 1:24:58
